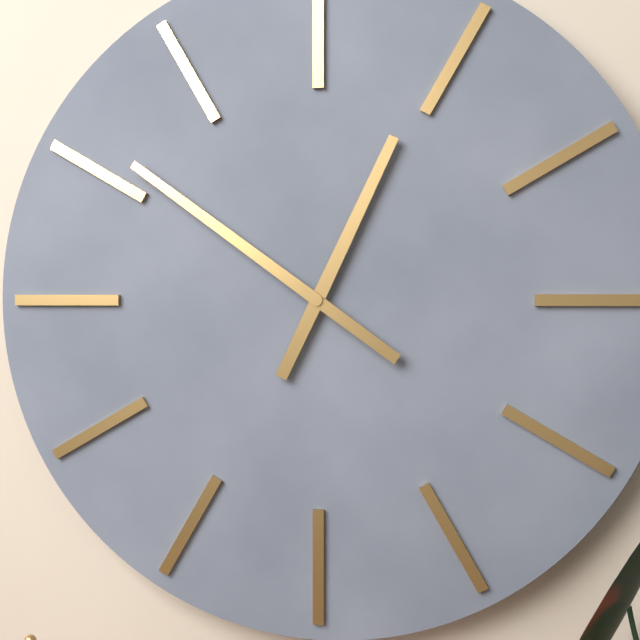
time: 12:51
